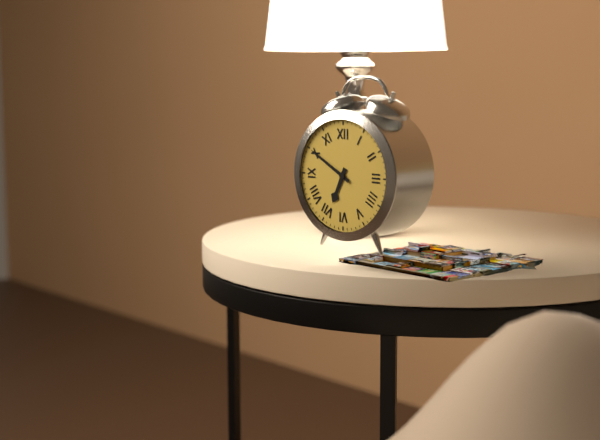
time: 6:50
